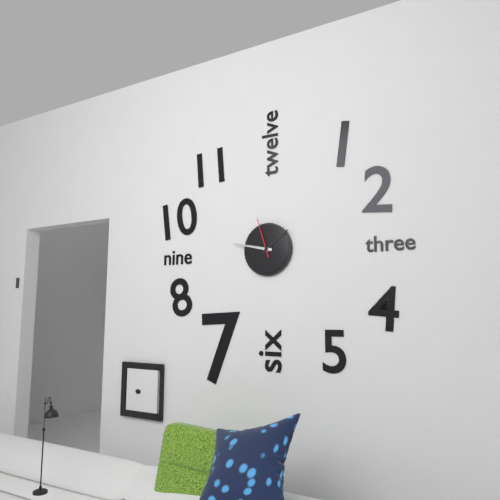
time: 1:47
